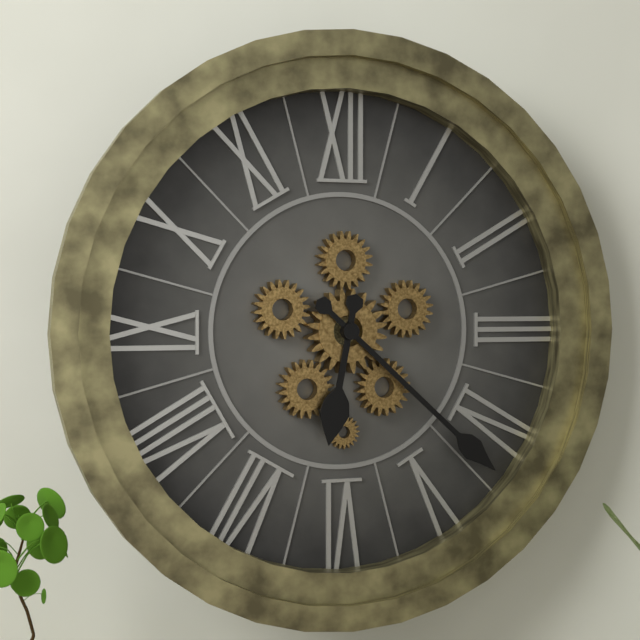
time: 6:22
